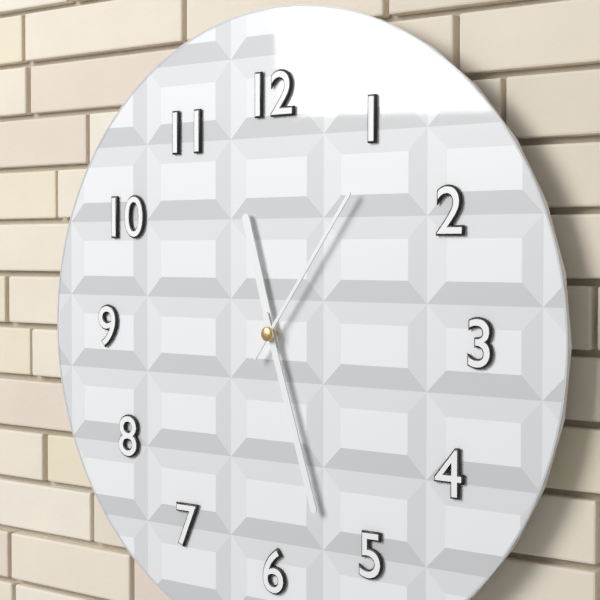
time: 11:27:06
